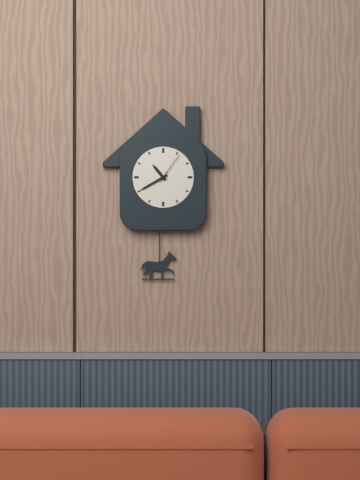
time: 10:40
